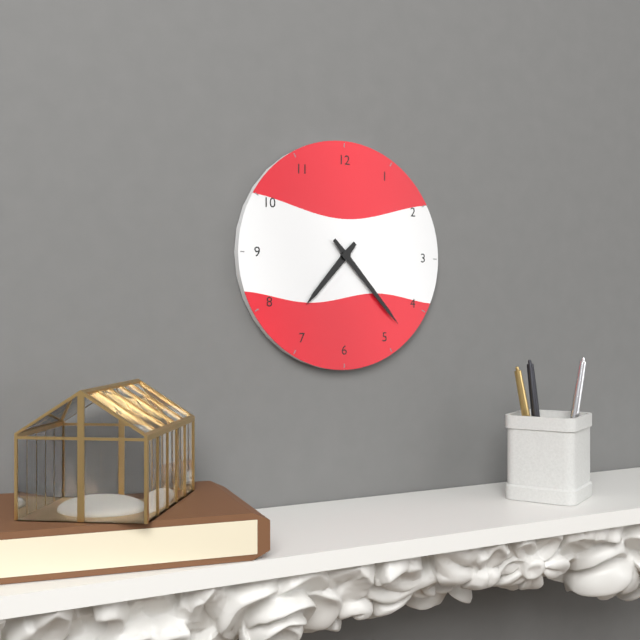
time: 7:23
